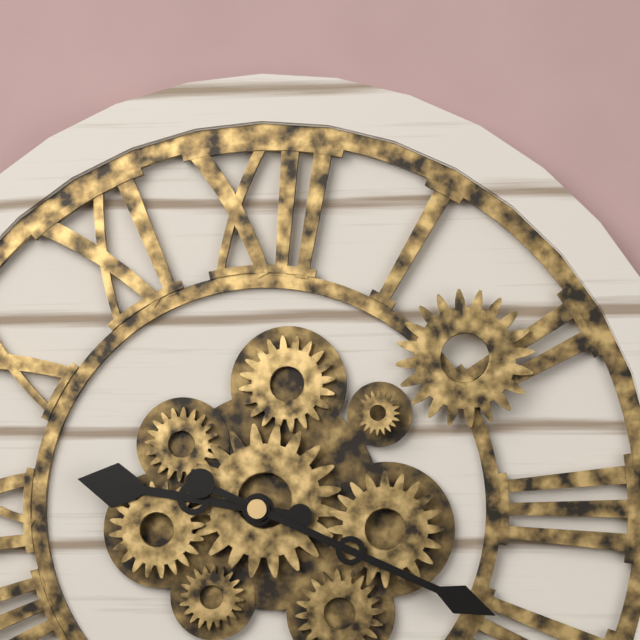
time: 9:19
